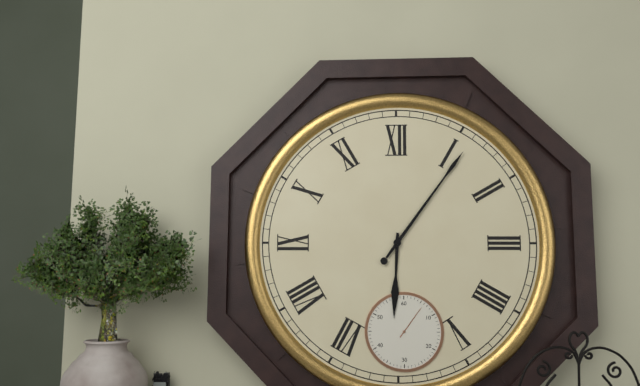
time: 6:06
